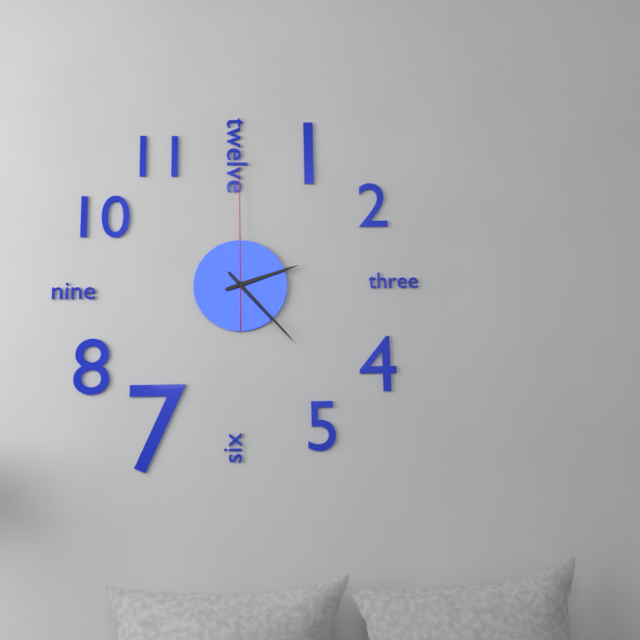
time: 2:23:00
